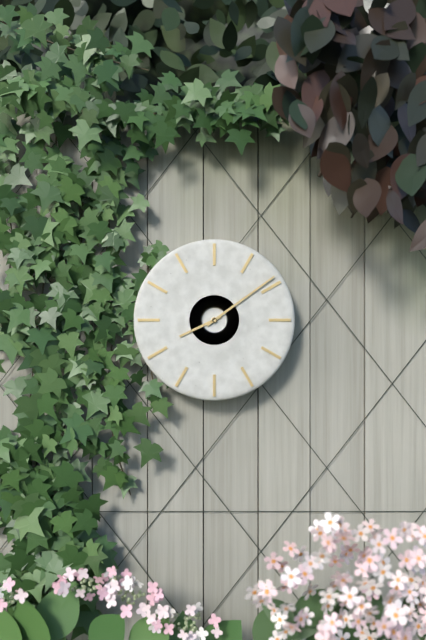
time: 8:09
